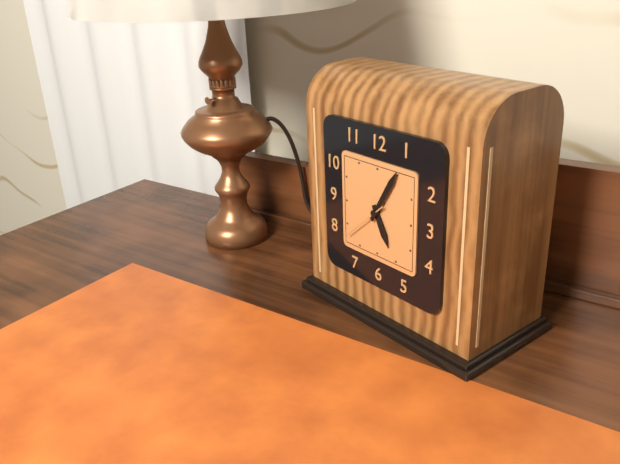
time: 5:05:38
